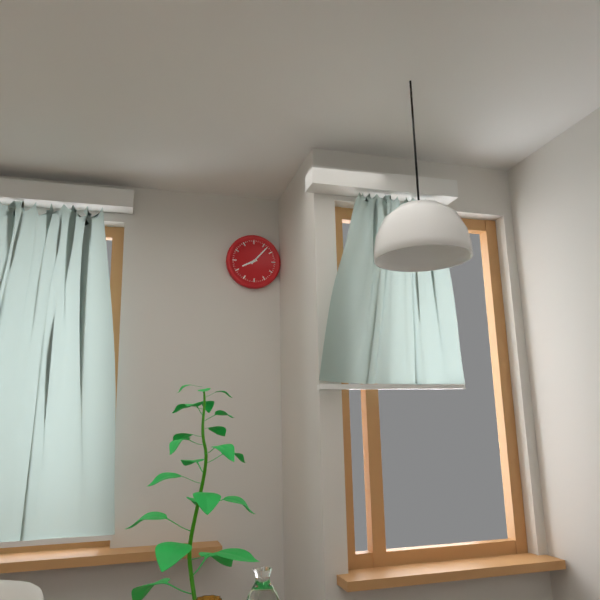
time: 8:07
